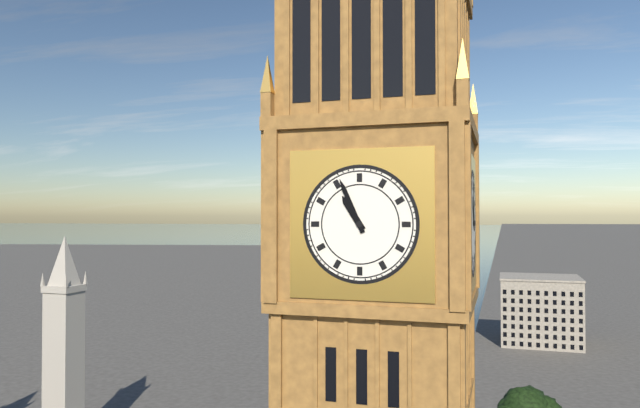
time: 10:56
